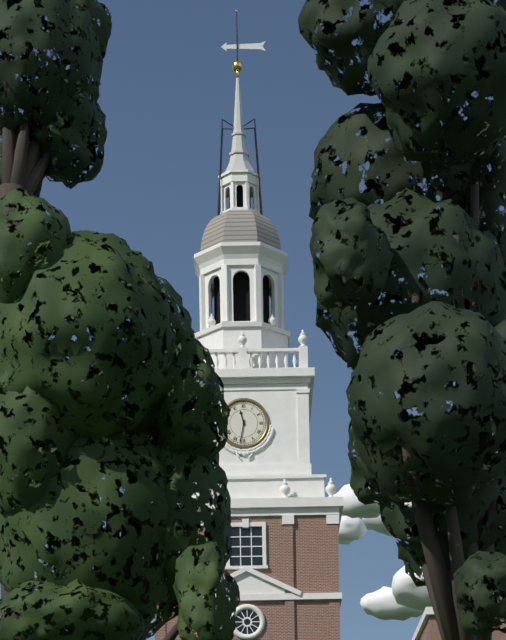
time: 11:32
